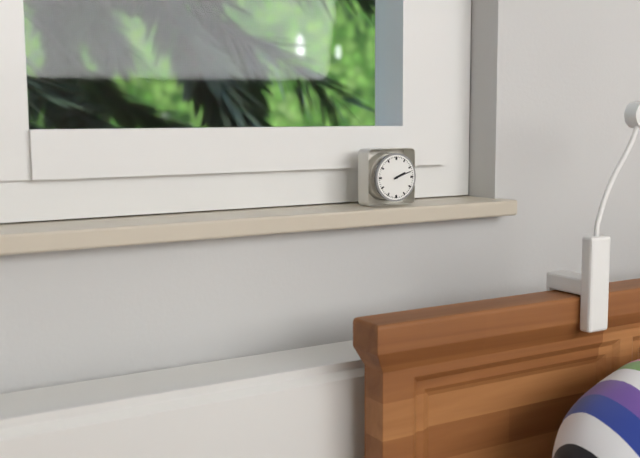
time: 2:12
